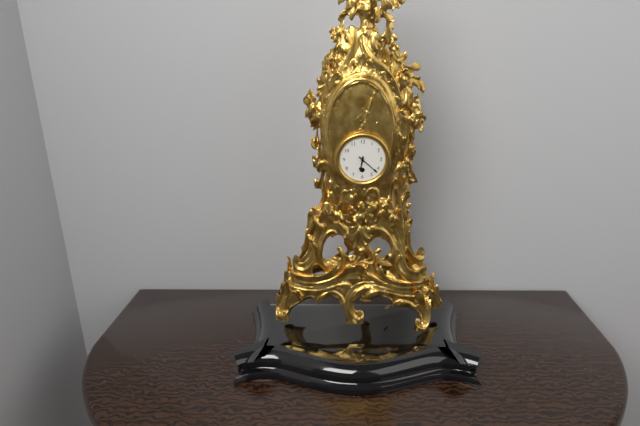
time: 6:22
